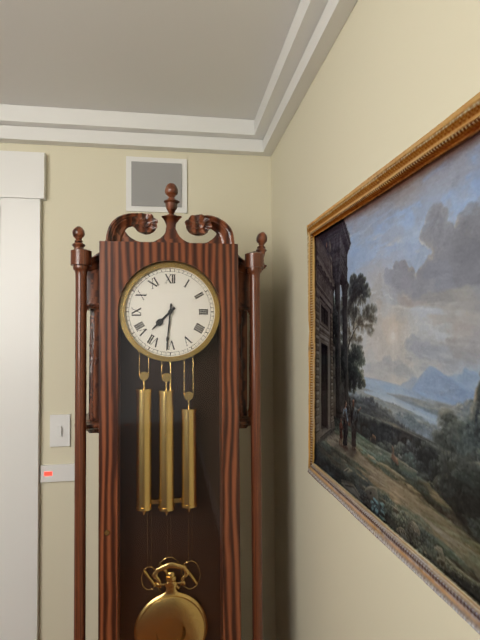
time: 7:31
